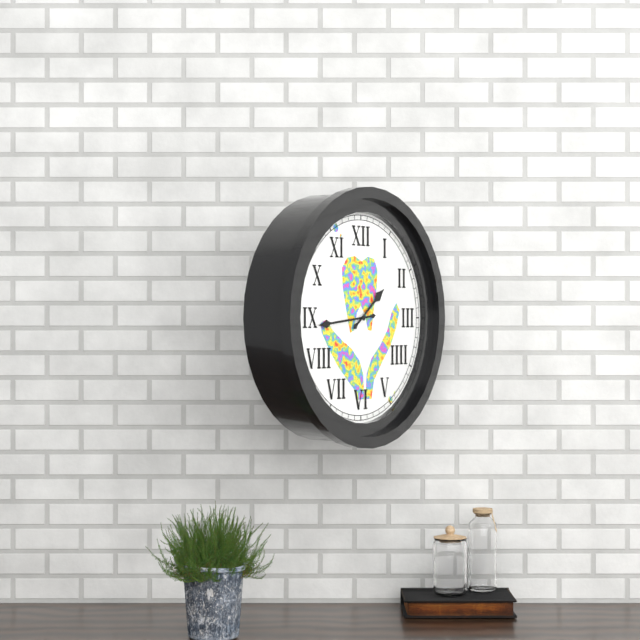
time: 1:44
